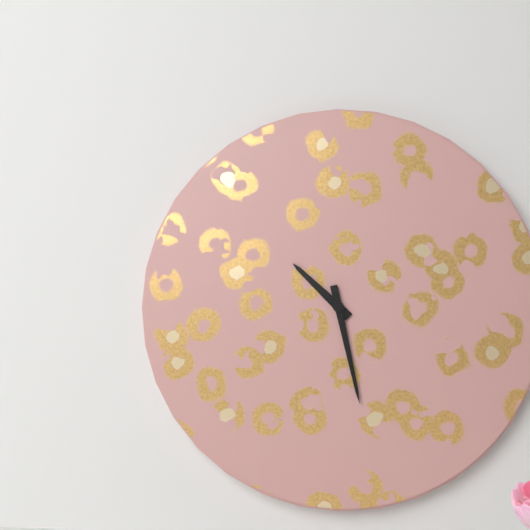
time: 10:28
